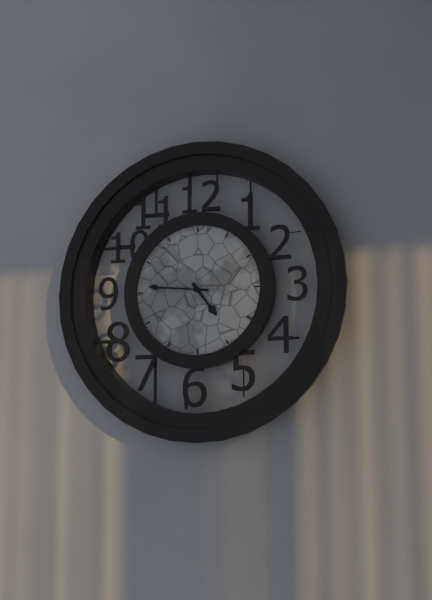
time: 4:46
